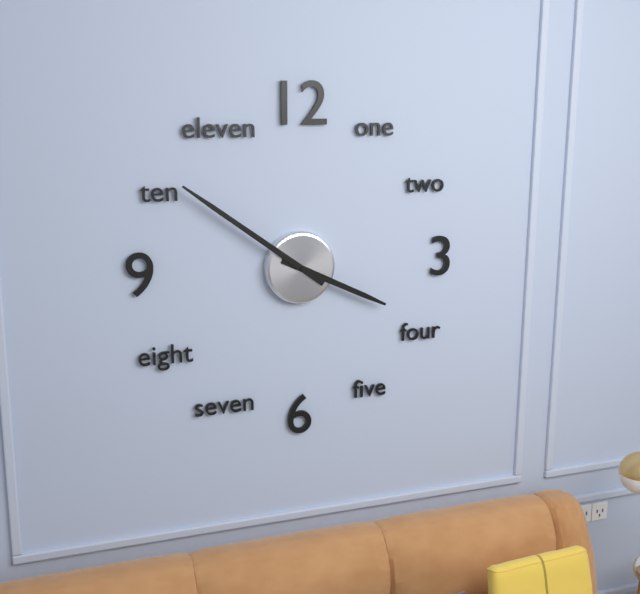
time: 3:51
